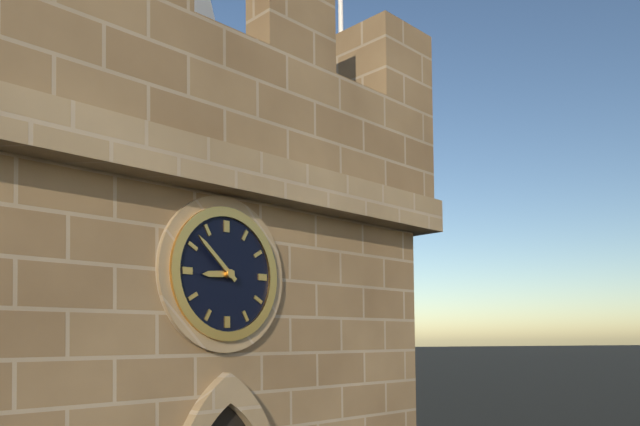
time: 8:52
